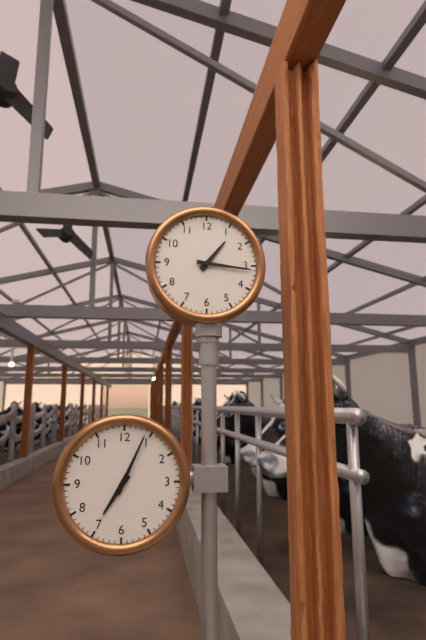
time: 1:16
